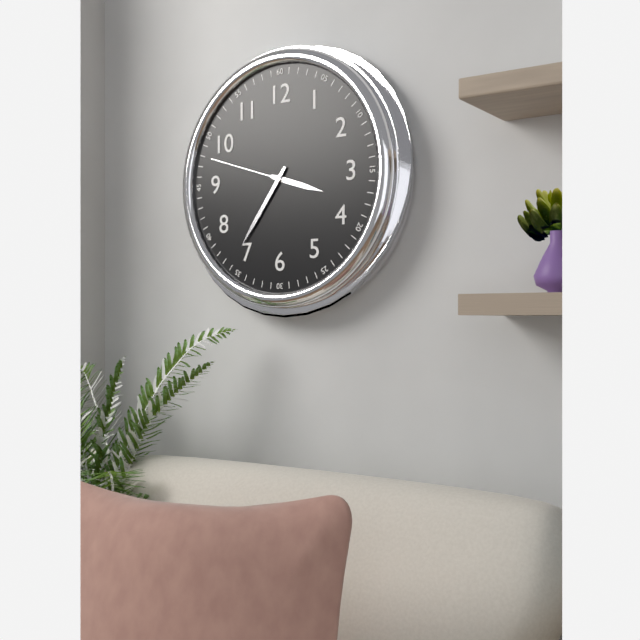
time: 3:36:48
